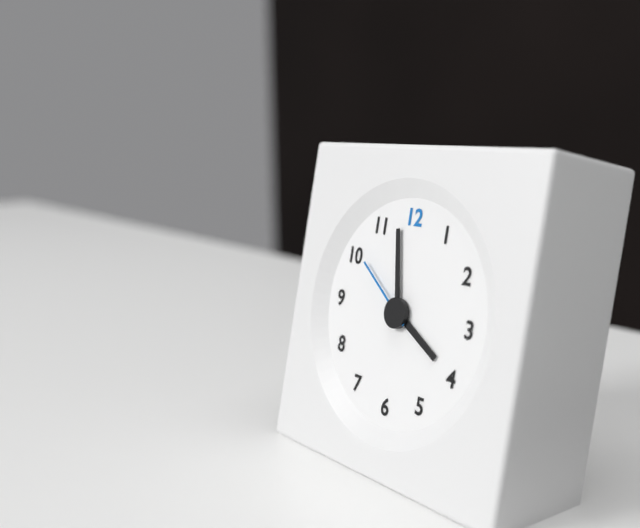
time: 3:58:51
